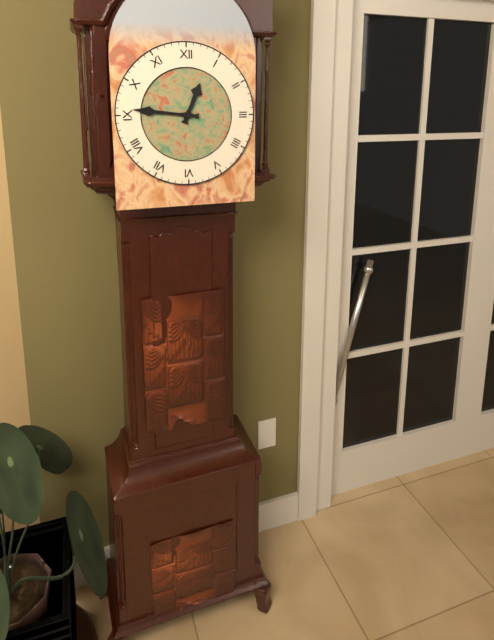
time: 12:46
